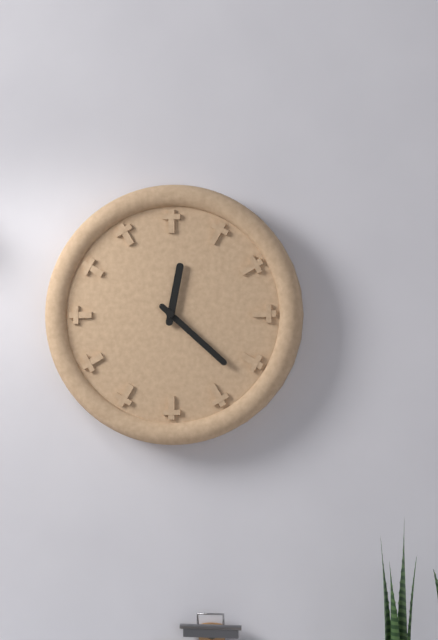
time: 12:22
